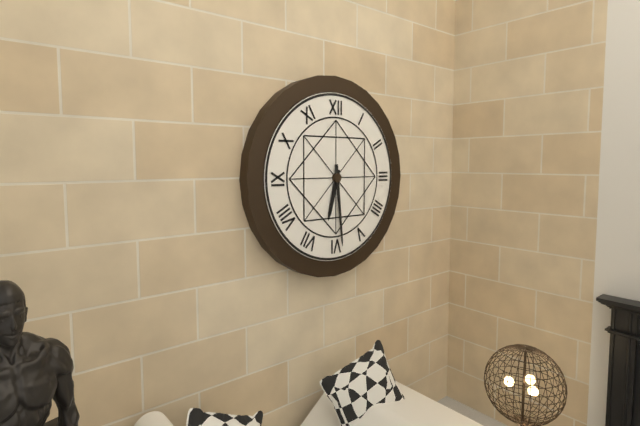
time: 6:29
